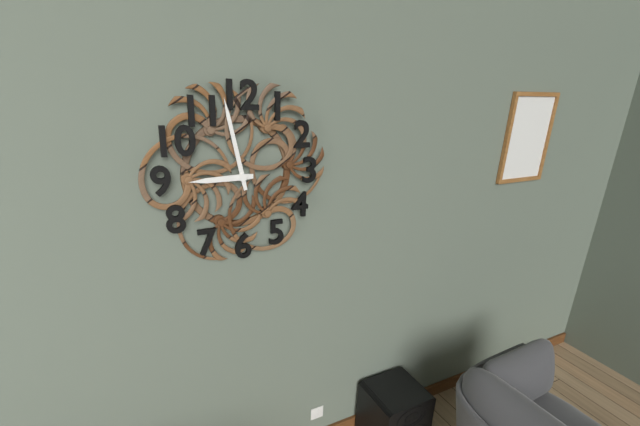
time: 8:58
